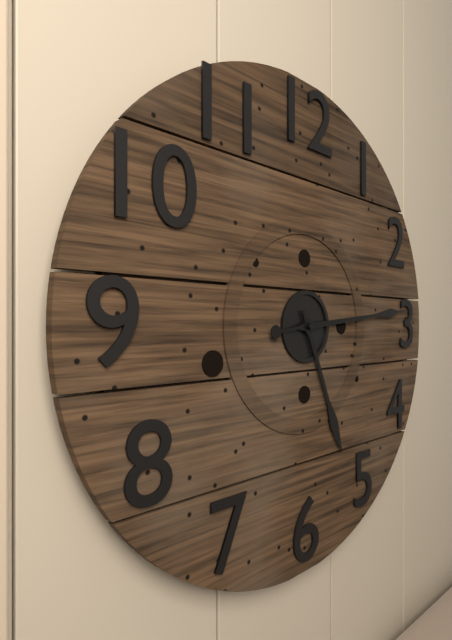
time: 5:14
